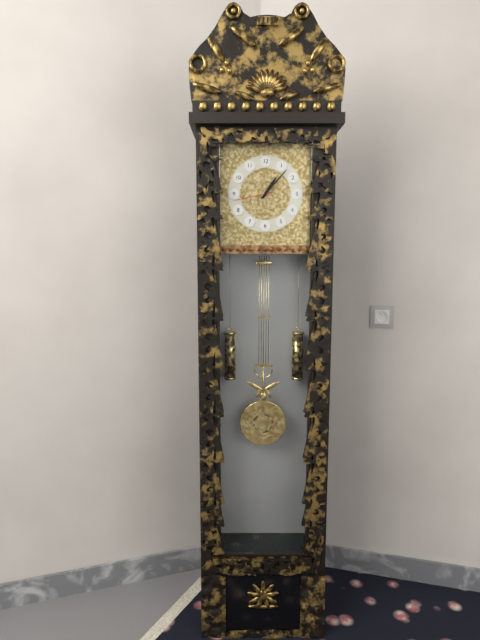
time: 1:07
